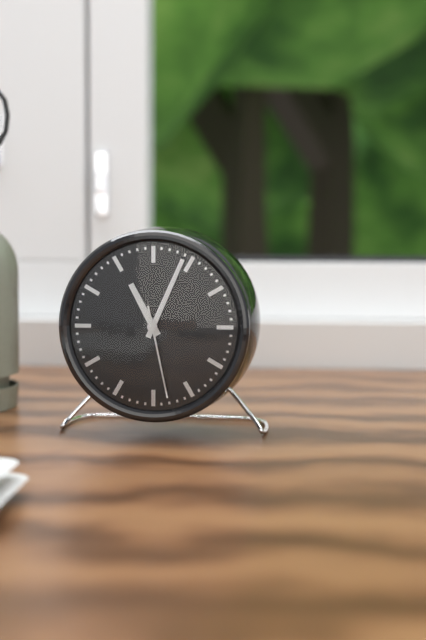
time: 11:04:28
